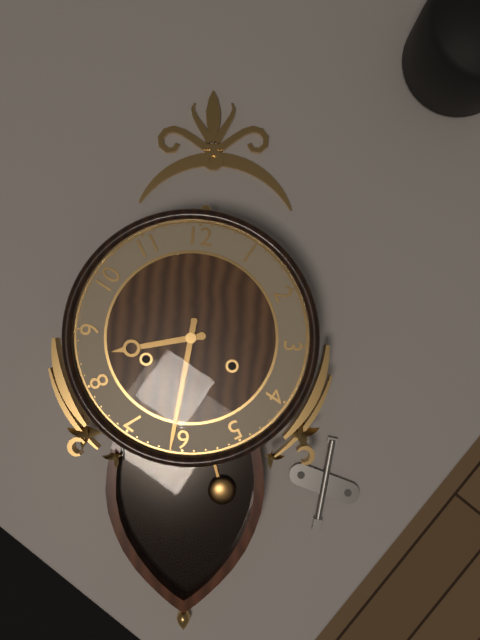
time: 8:31
